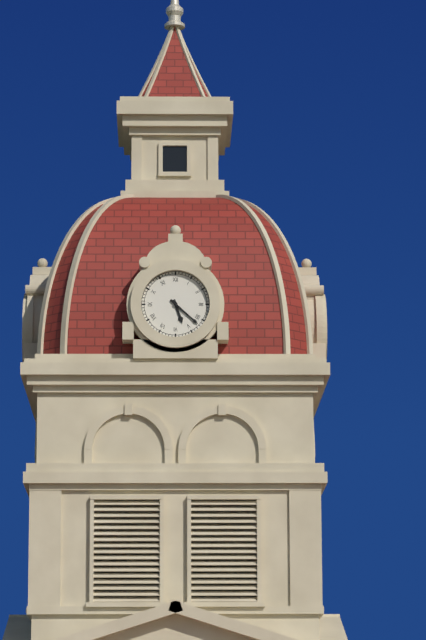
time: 5:22
